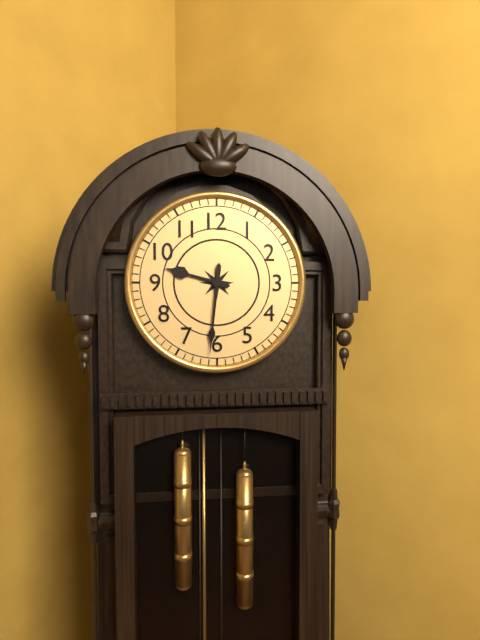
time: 9:31
